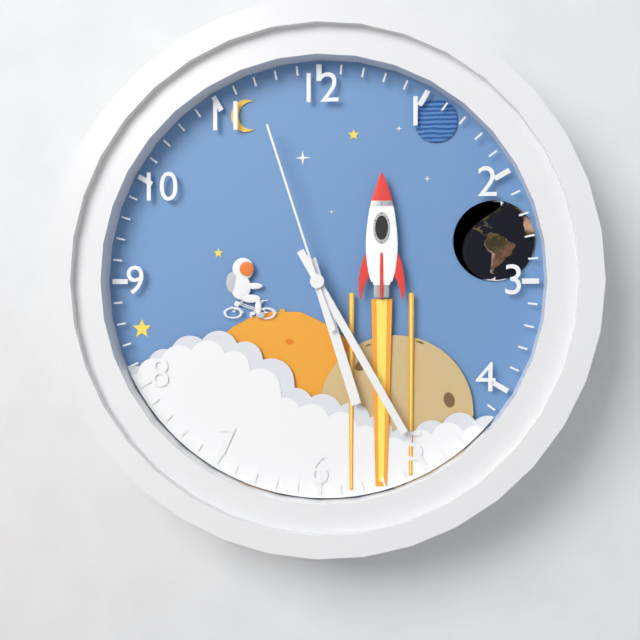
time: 5:25:57
